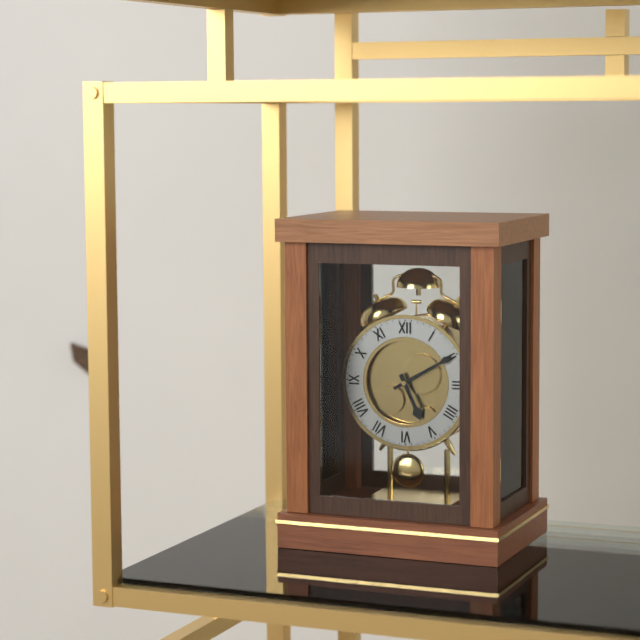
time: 5:10
